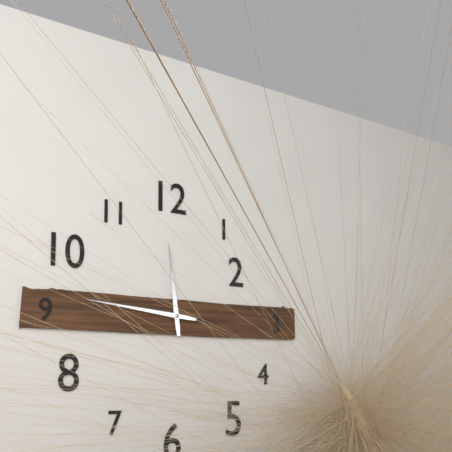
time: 11:46
